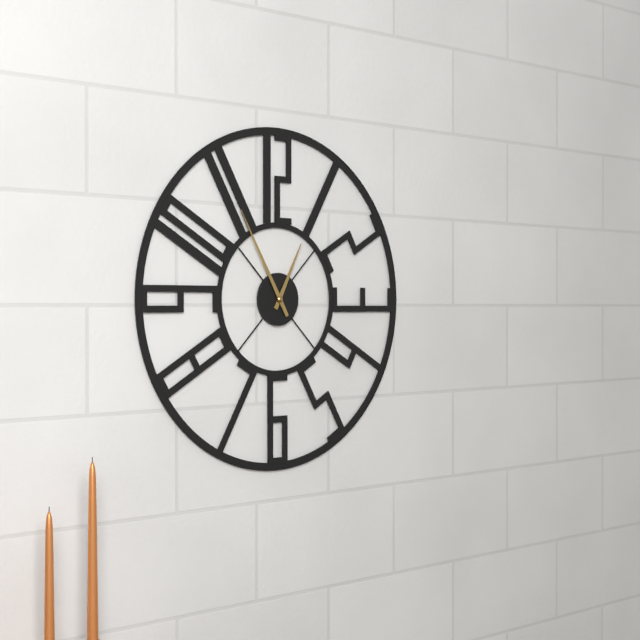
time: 12:55
